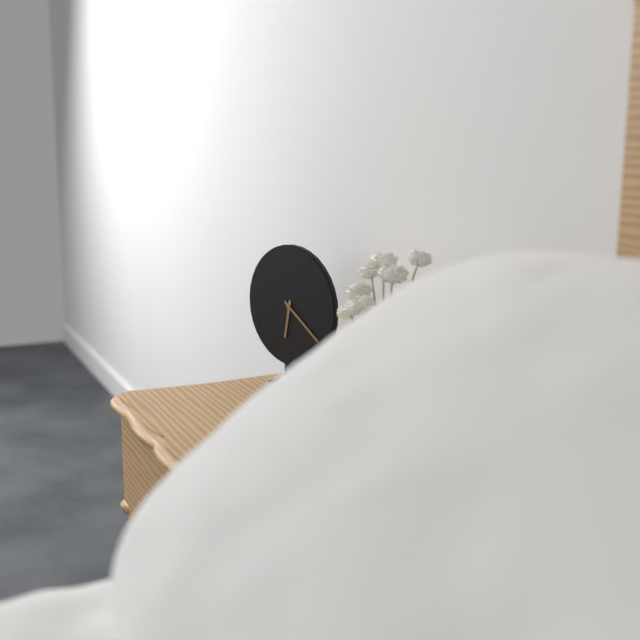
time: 6:21
